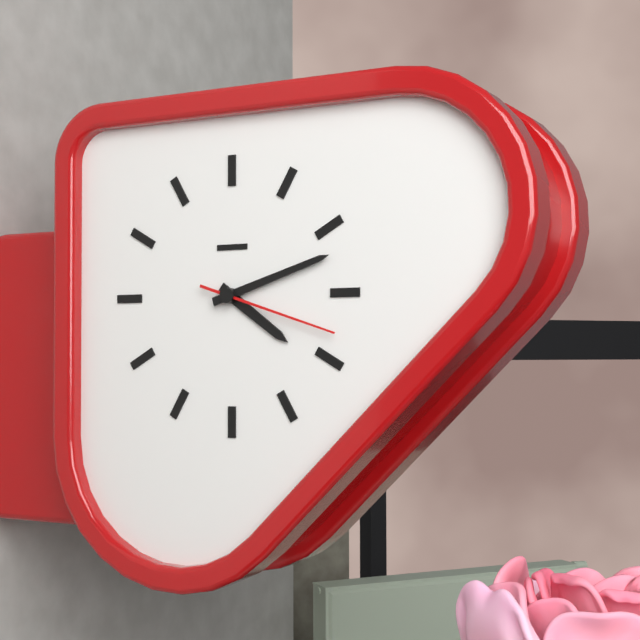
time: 4:12:18
